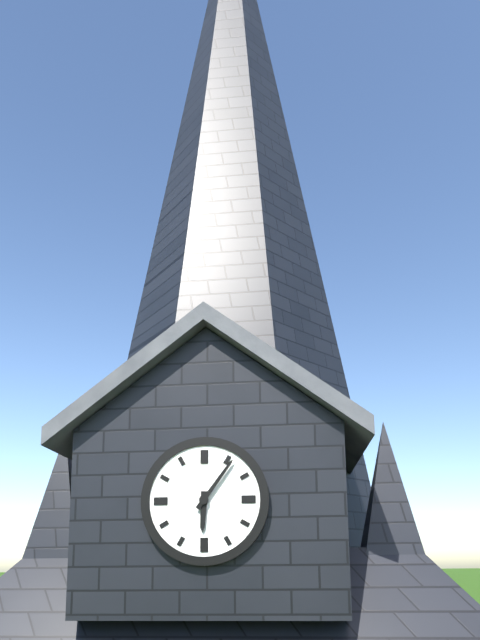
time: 6:06
